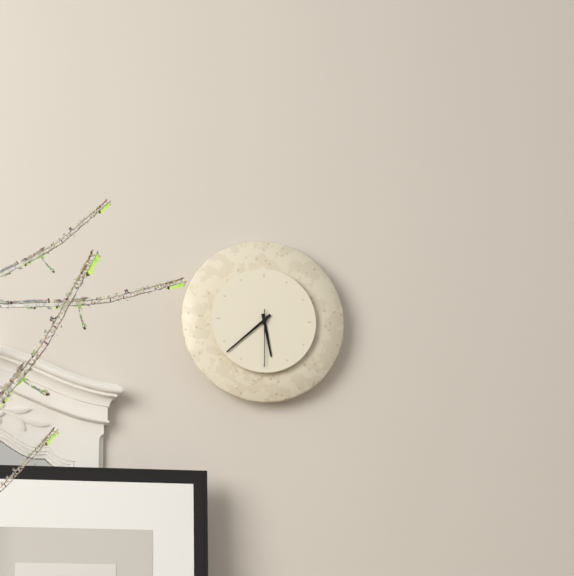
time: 5:38:30
